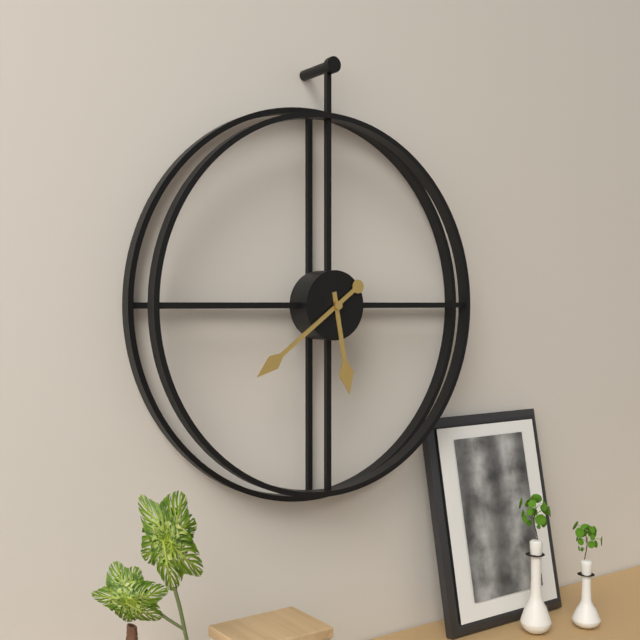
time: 5:39
